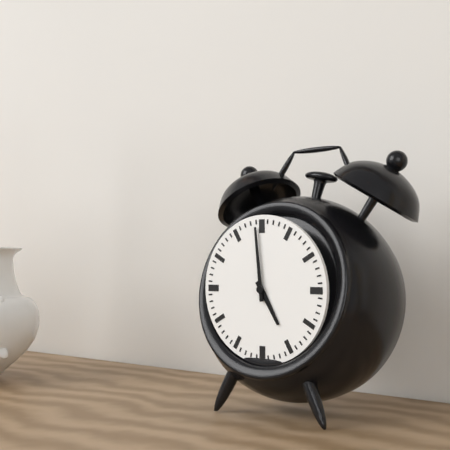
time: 4:59
